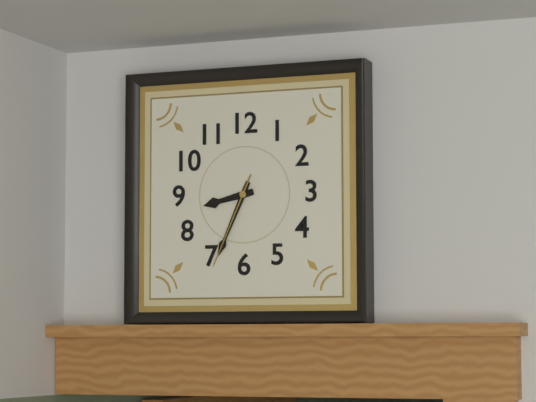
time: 8:34:34
